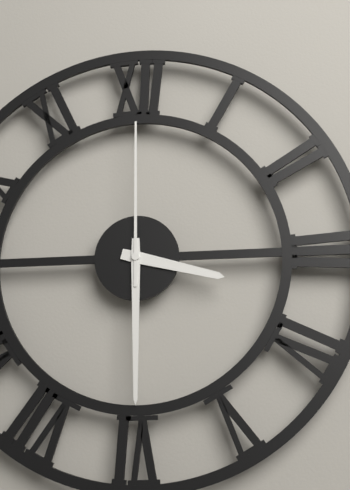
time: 3:30:00
